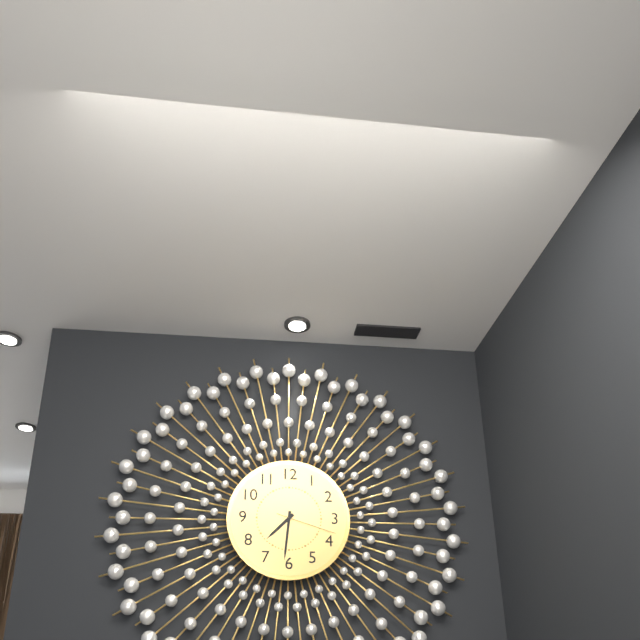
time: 7:31:18
